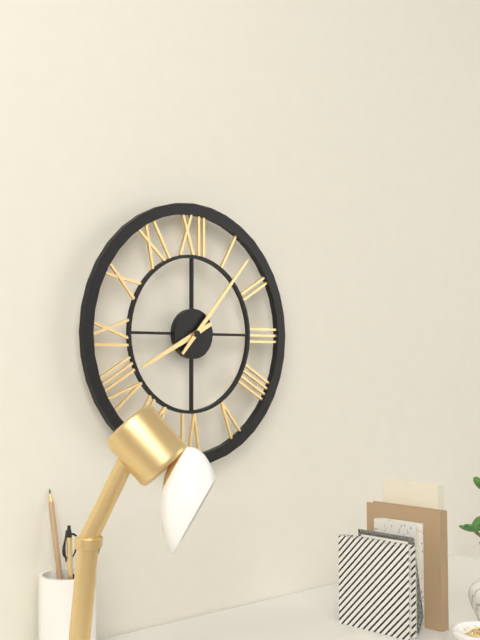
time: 8:07
